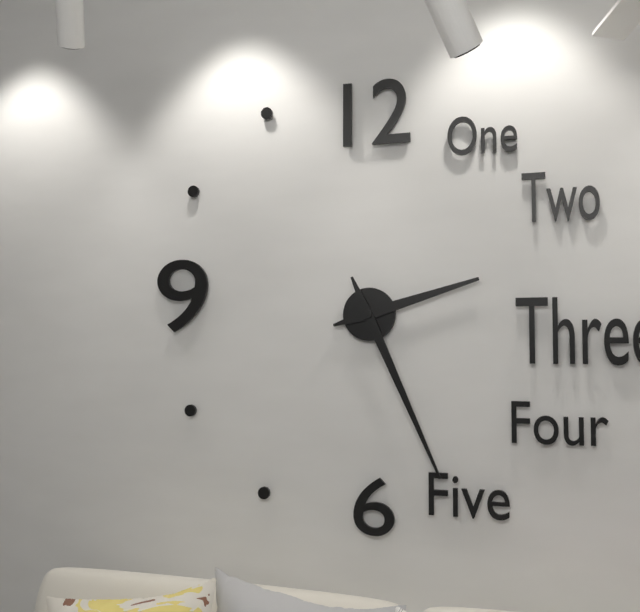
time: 2:26
